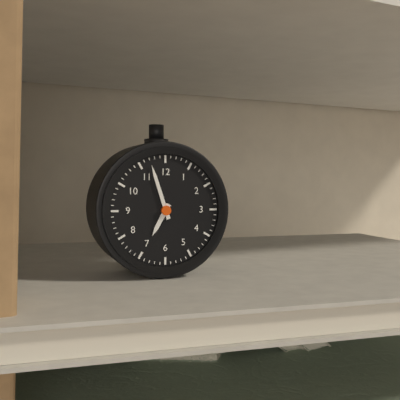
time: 6:57
